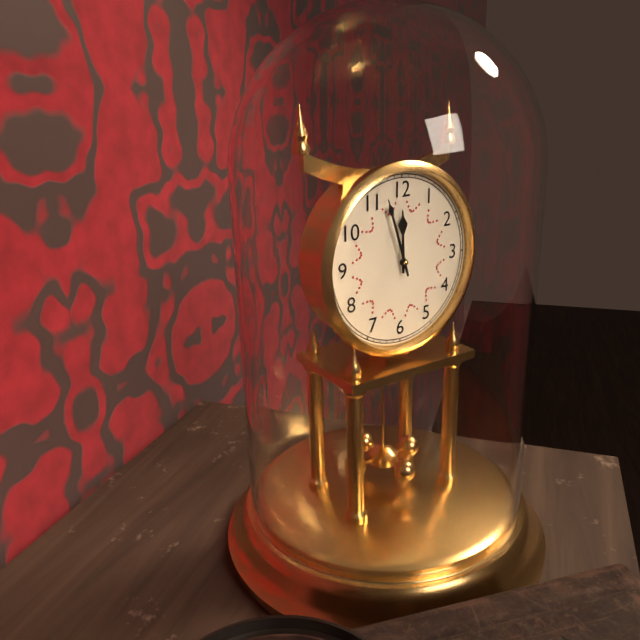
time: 11:57
